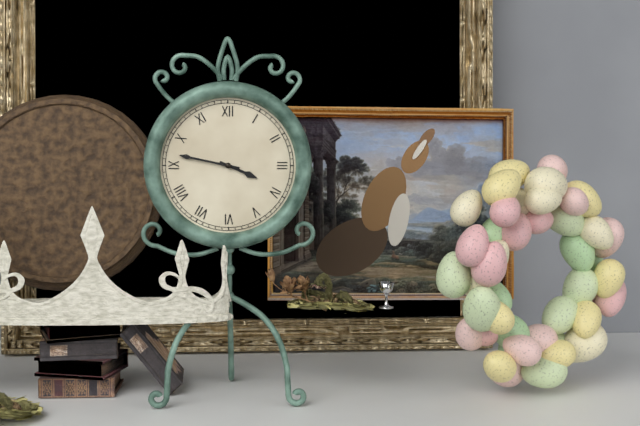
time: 3:47
